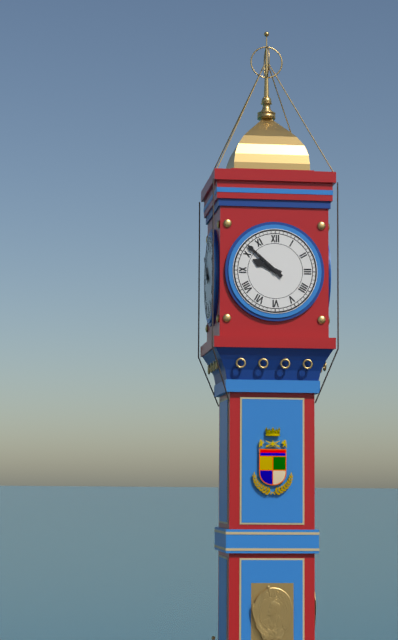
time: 9:52
